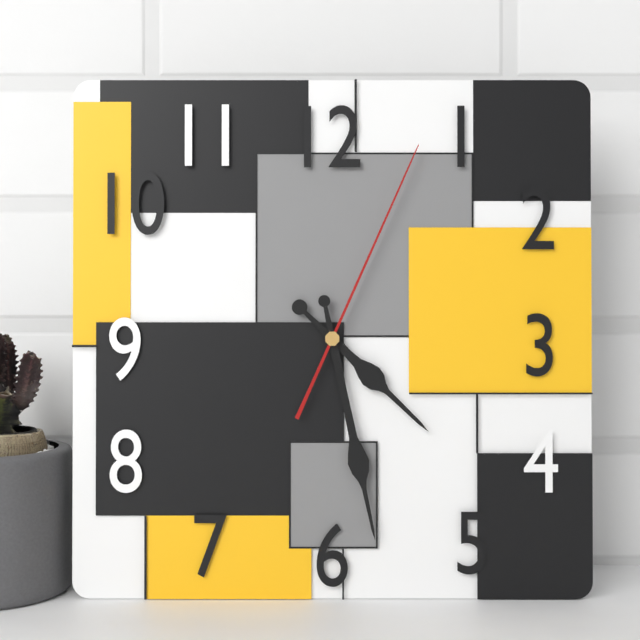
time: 4:28:04
